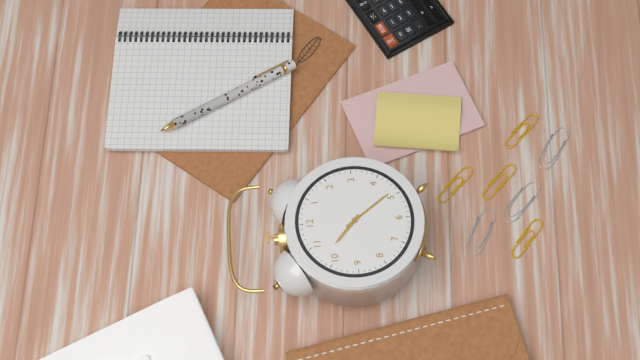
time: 10:24
